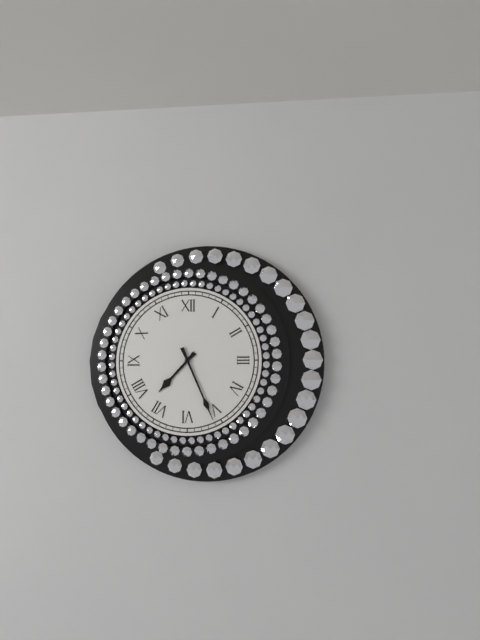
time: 7:26
